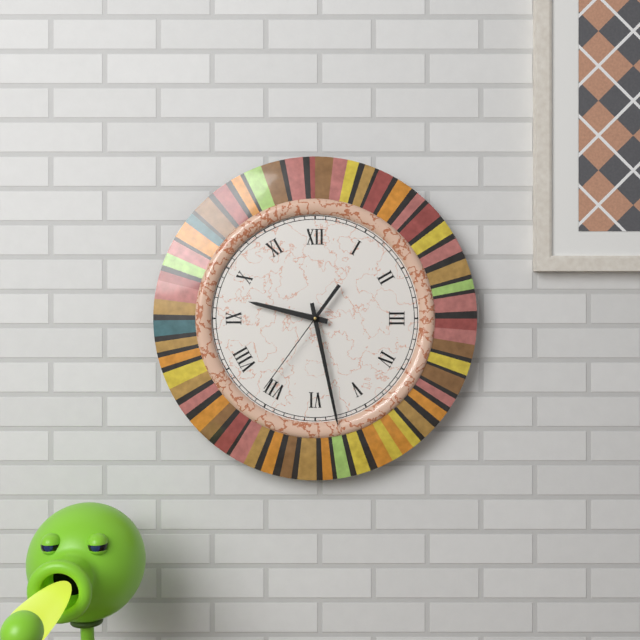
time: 9:28:36
